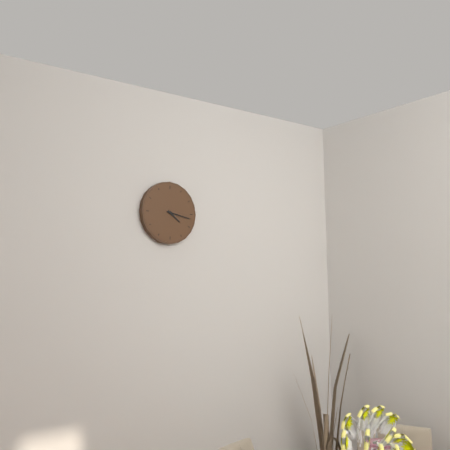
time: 4:17
